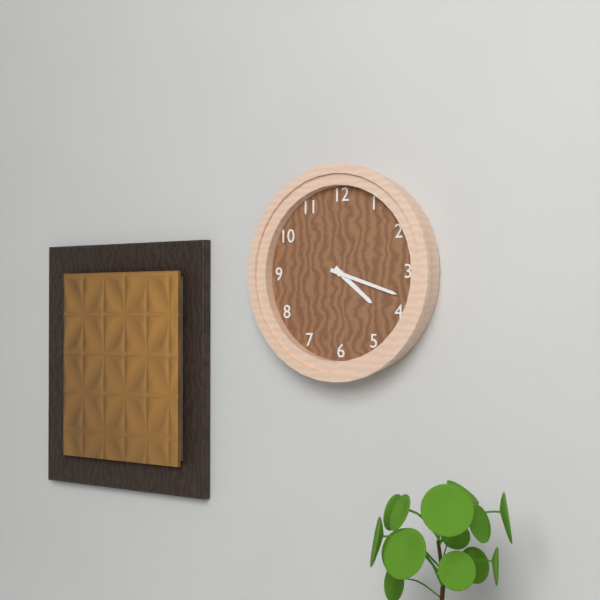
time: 4:18
